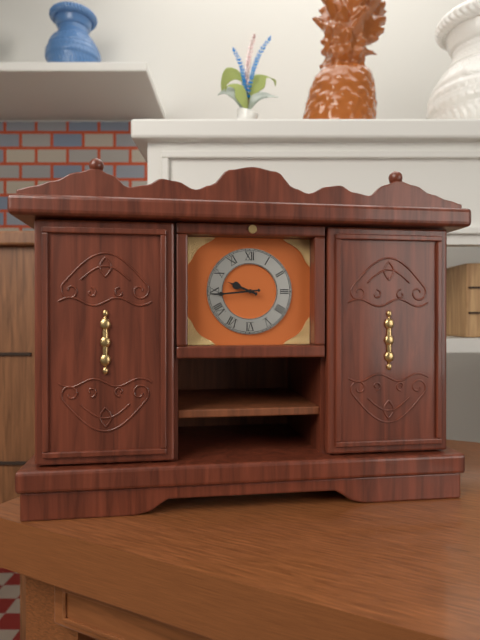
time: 9:44
